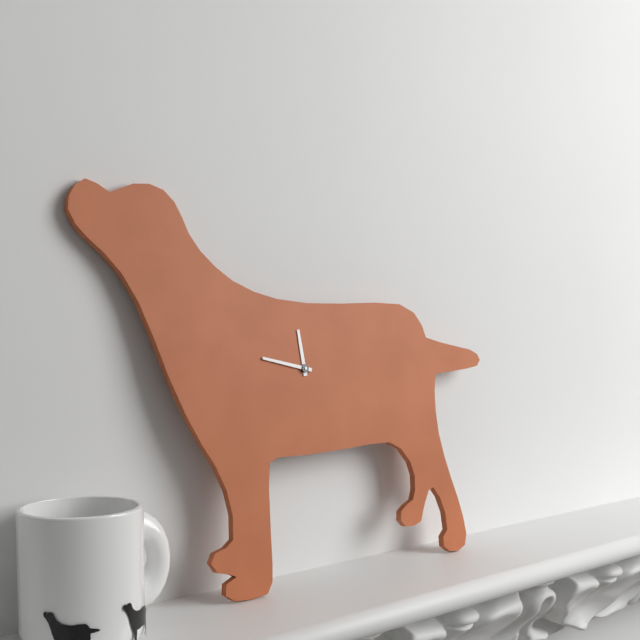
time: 11:47
